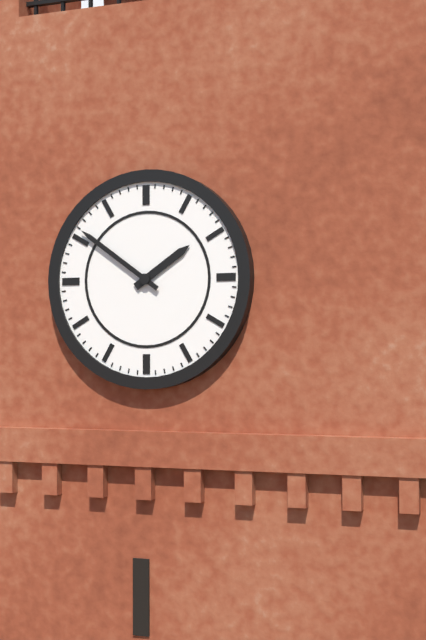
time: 1:51
